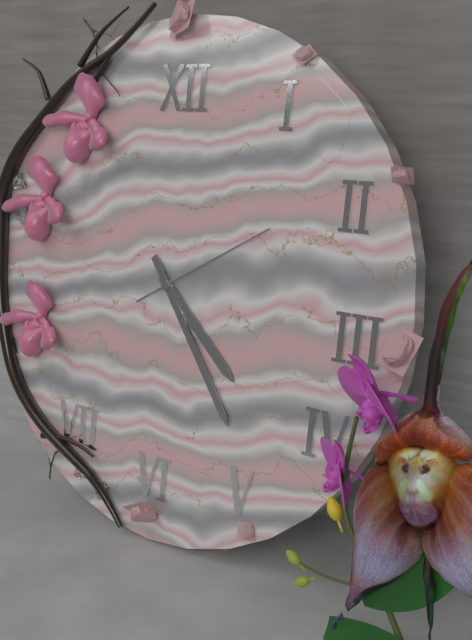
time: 4:24:10
